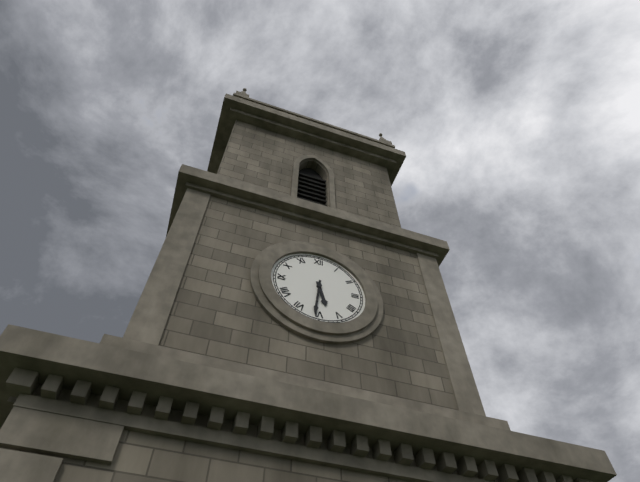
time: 5:31
